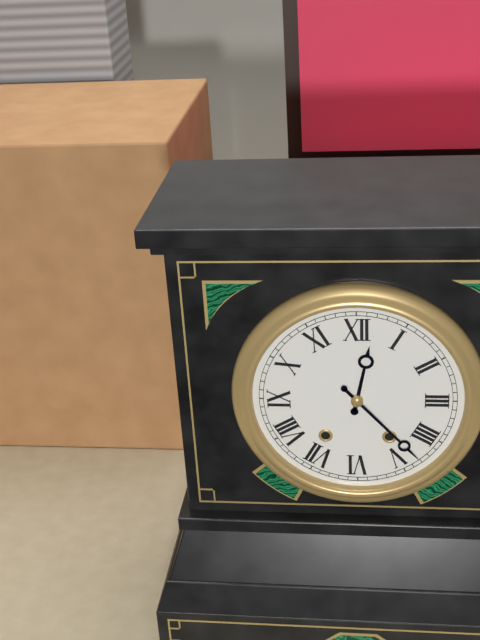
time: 12:23
